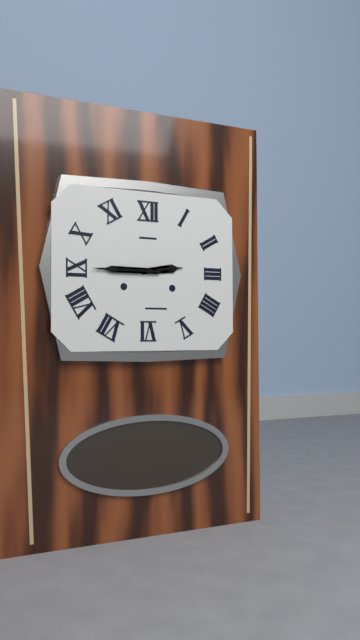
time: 2:45
